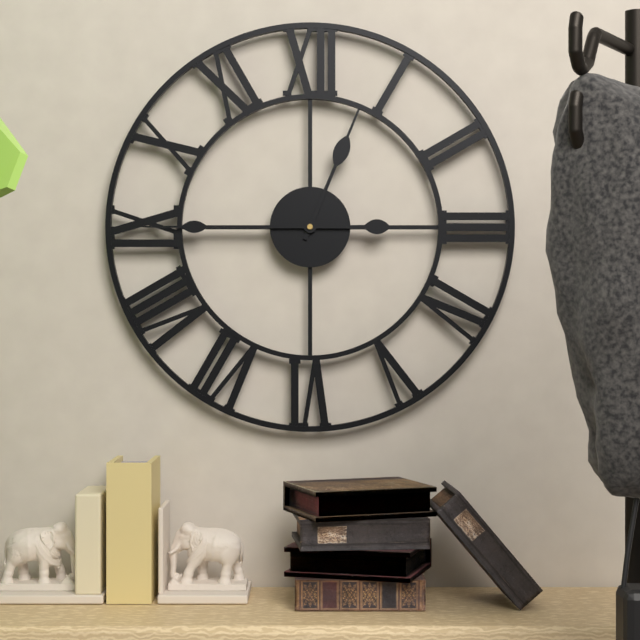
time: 12:45
